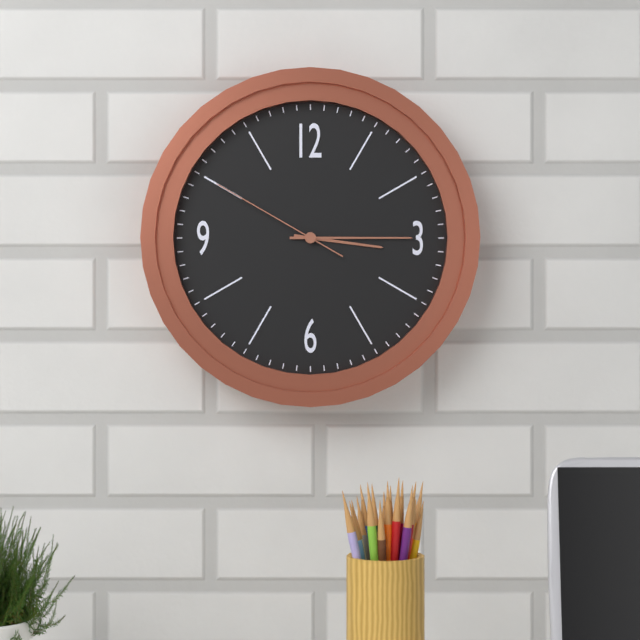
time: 3:15:50
